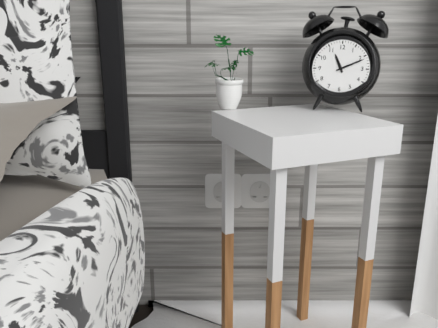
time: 11:11
